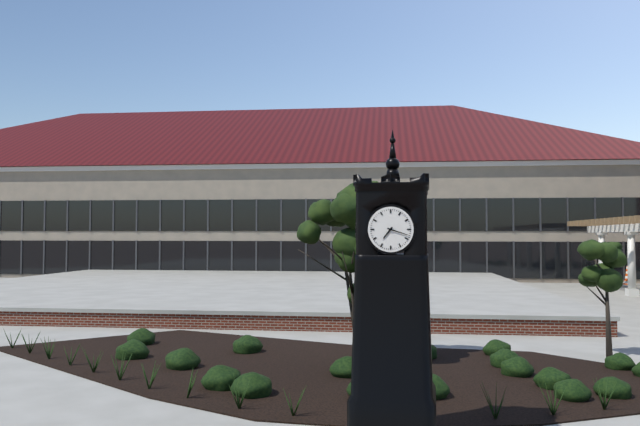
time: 7:18
